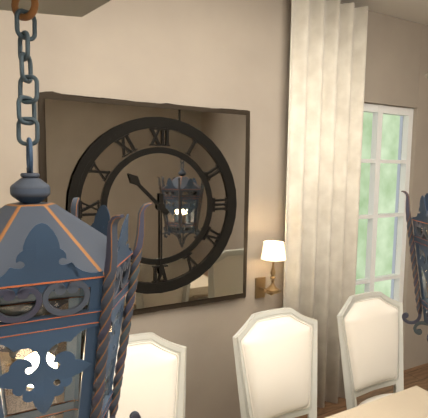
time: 10:30
